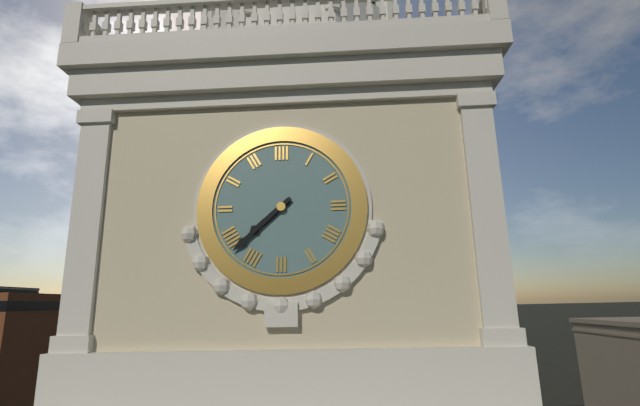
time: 7:38
